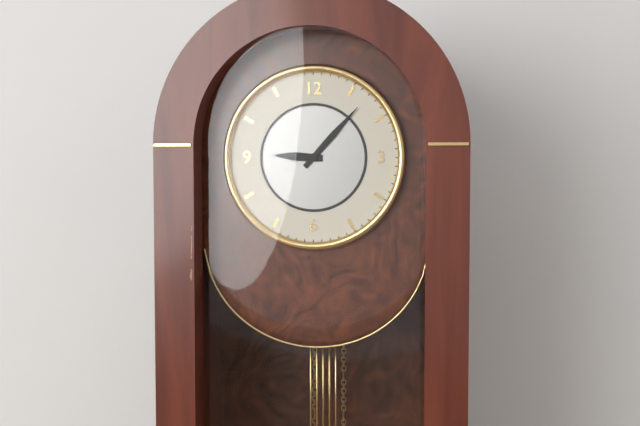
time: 9:07
